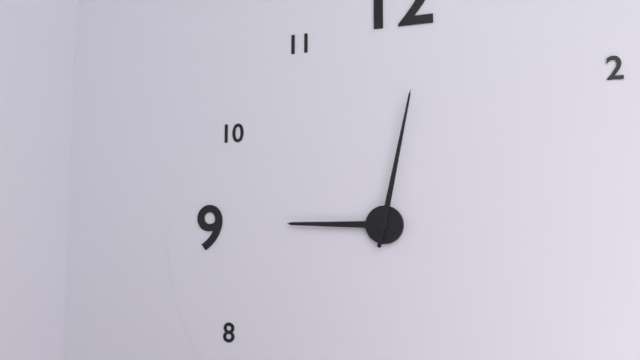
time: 9:02
